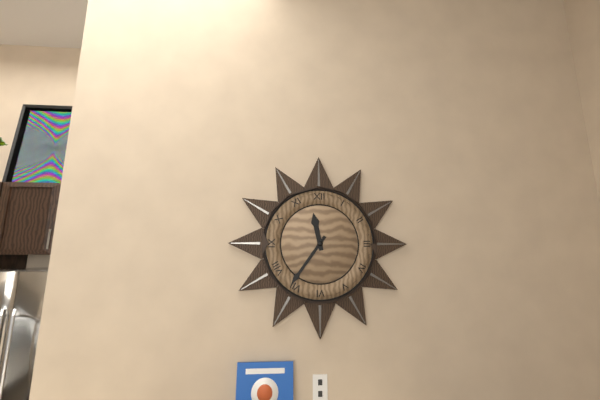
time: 11:36
